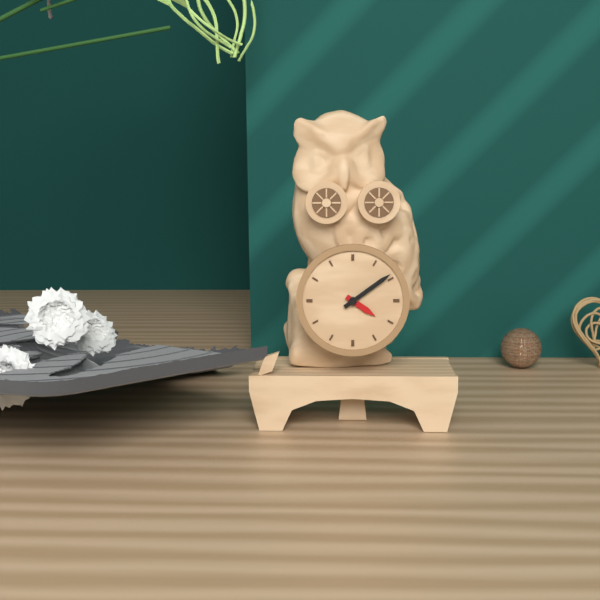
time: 4:09
